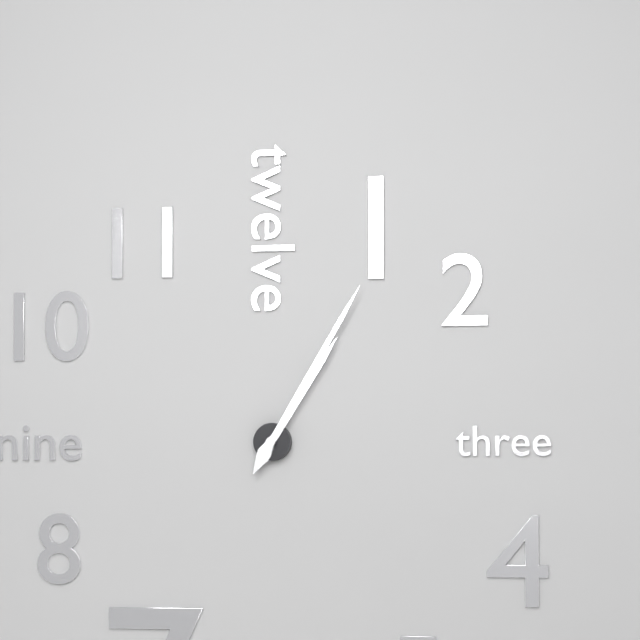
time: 1:05
